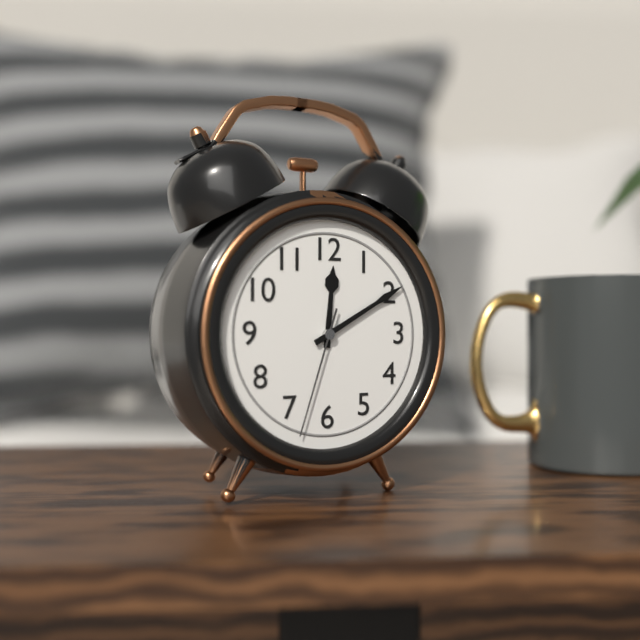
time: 12:10:33
